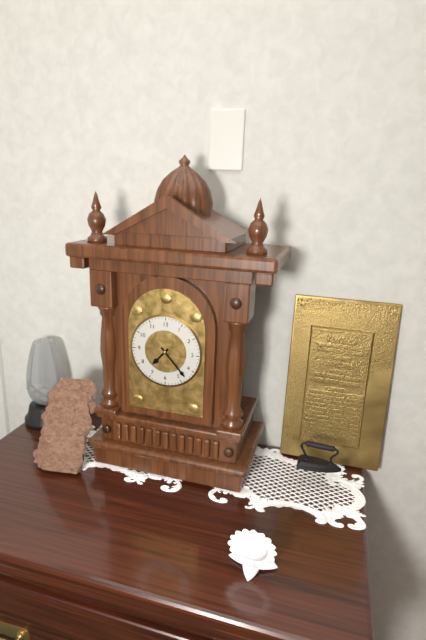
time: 7:23
